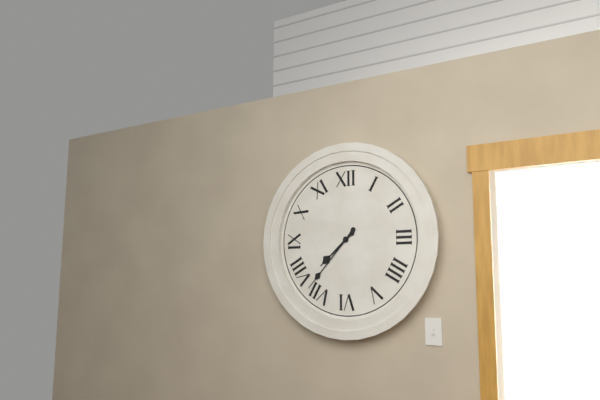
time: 7:37
